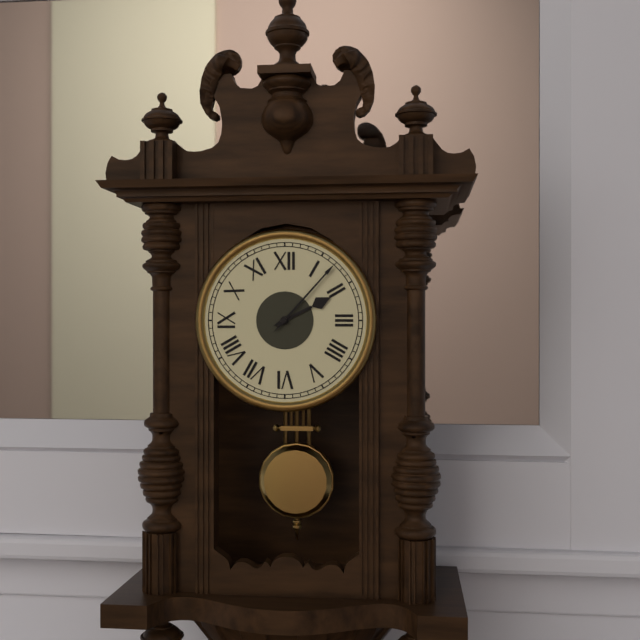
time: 2:07
